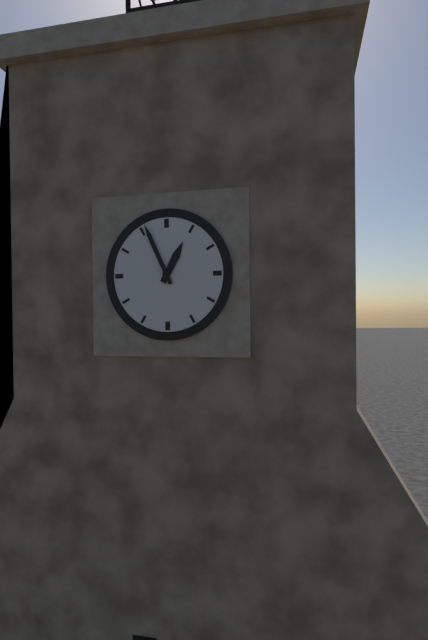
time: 12:56
